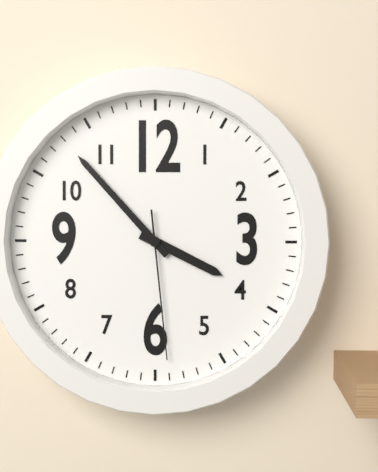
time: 3:53:29
